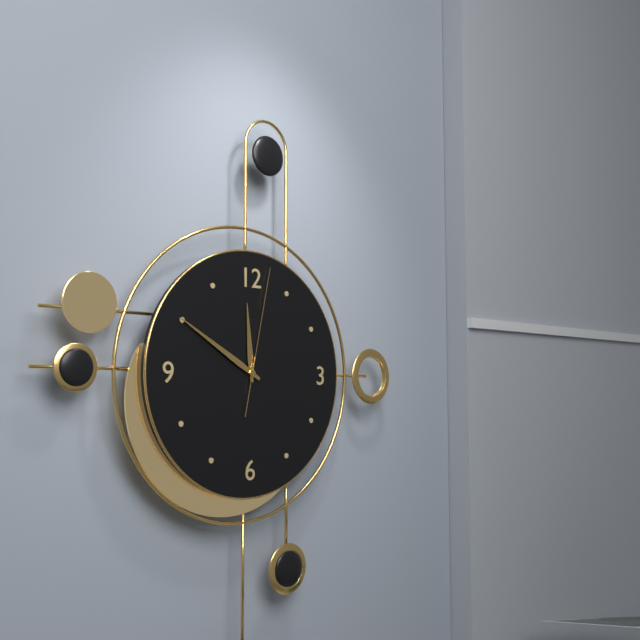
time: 11:50:02
